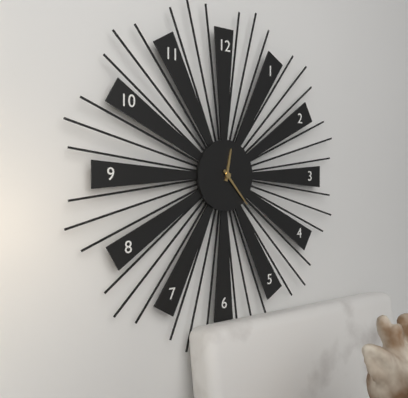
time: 12:23
